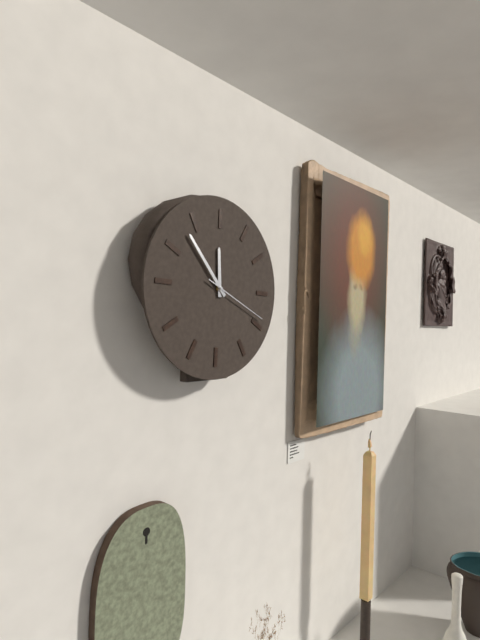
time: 11:53:19
